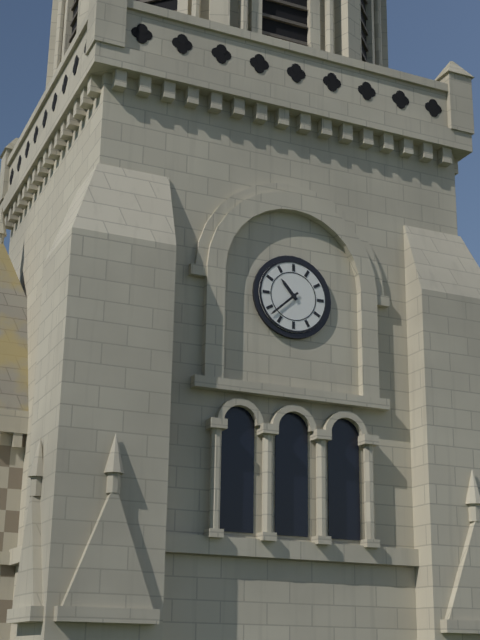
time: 10:38
